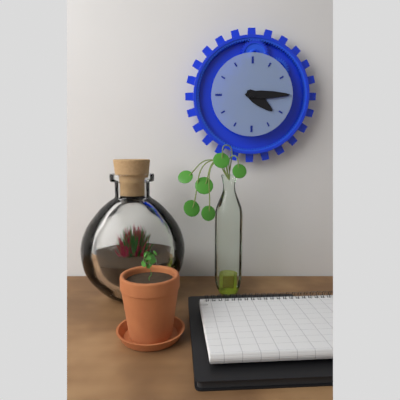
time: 4:15
